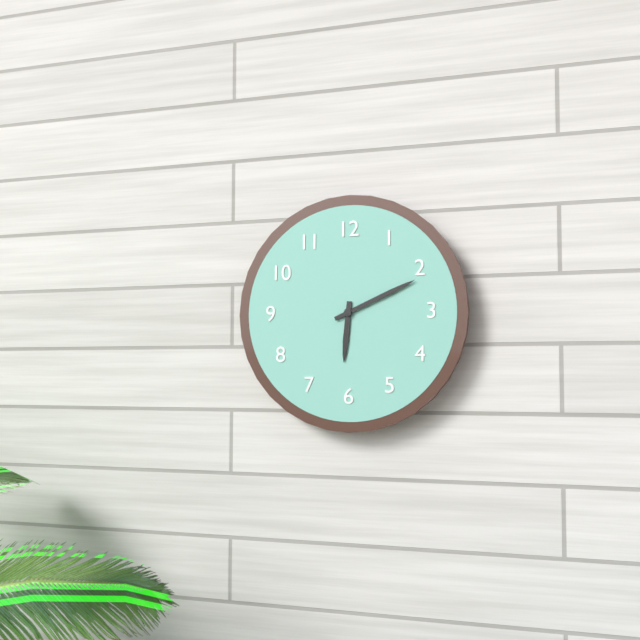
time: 6:11
